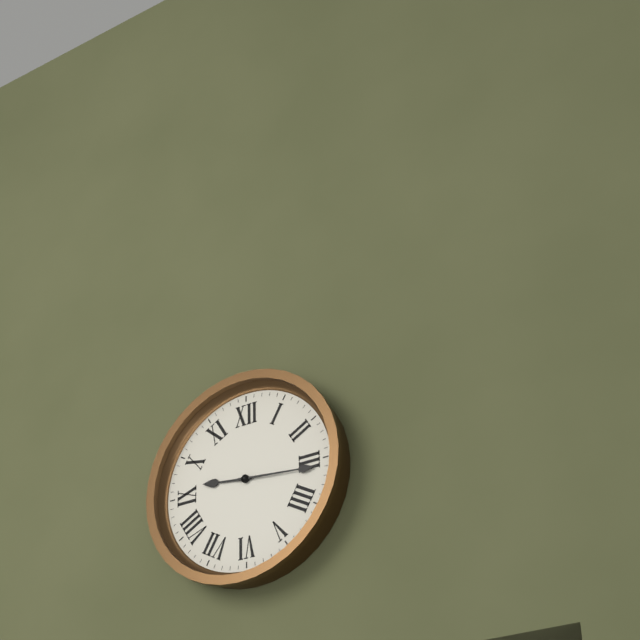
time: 9:16
